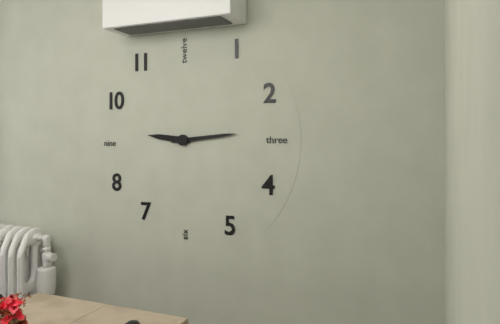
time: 9:14
